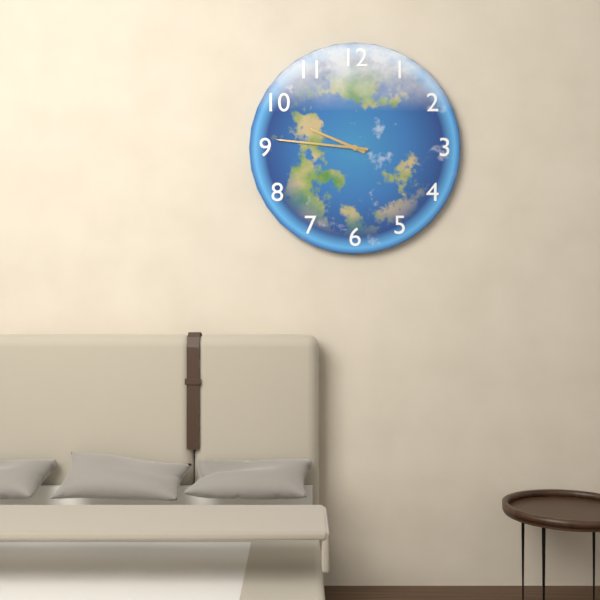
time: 9:46
